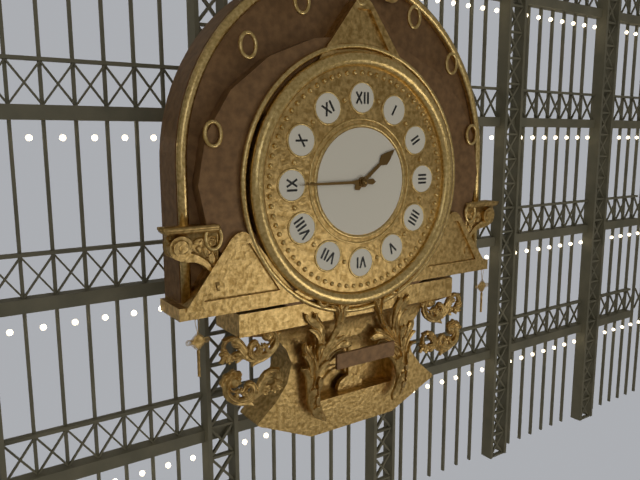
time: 1:45
